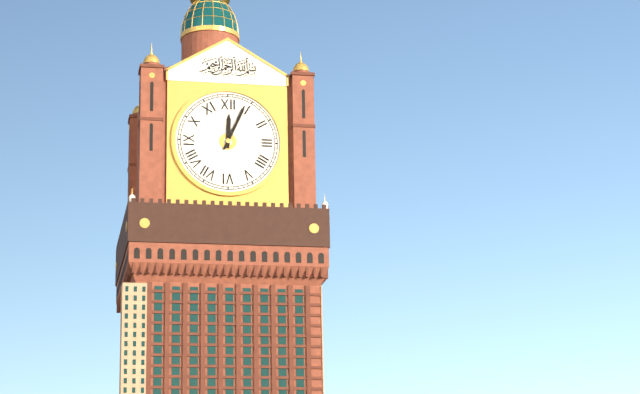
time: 12:04
